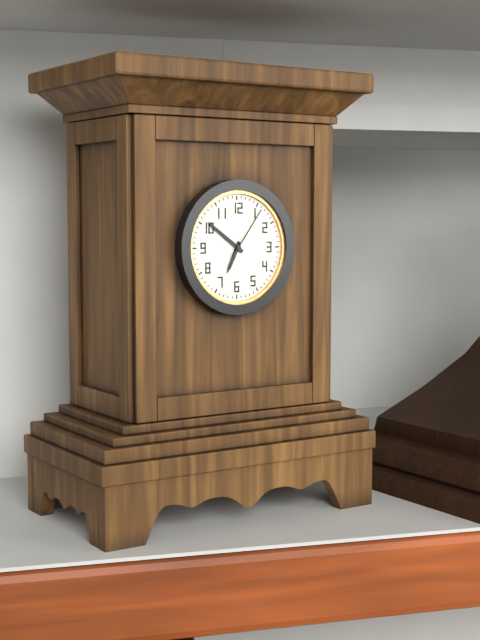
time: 6:51:06
